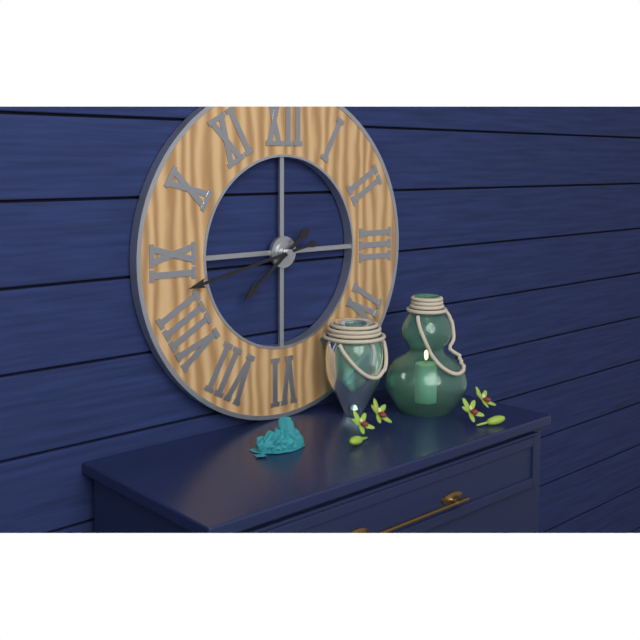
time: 7:43
